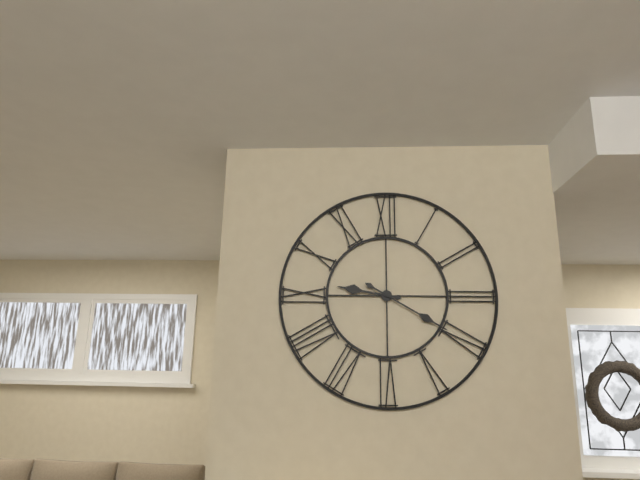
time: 9:20
